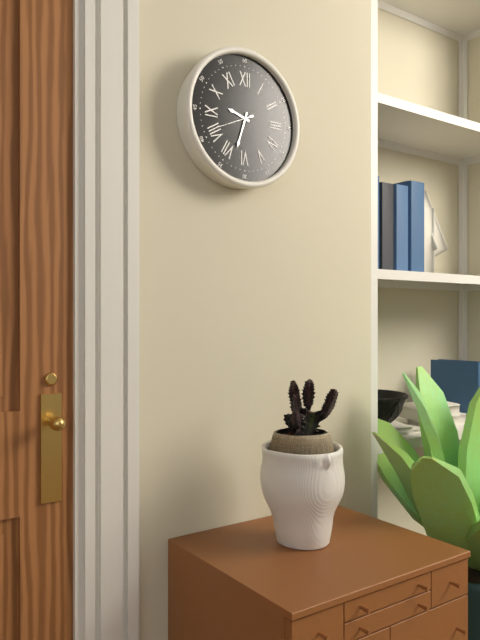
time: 9:33
